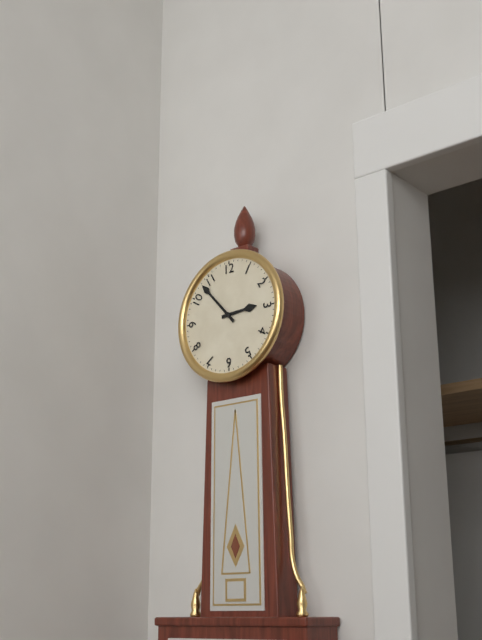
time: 2:53
